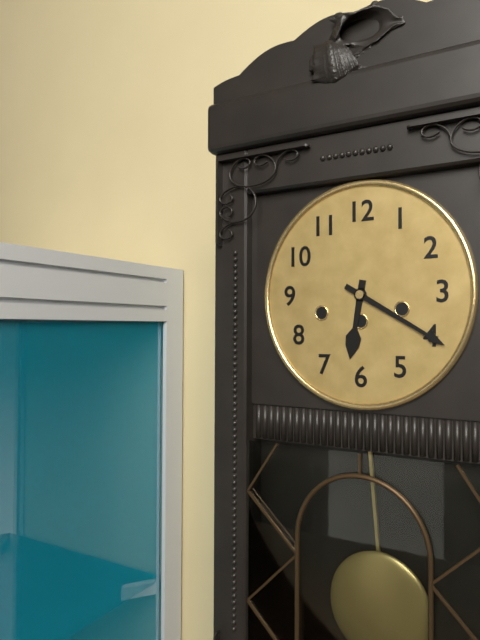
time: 6:20
